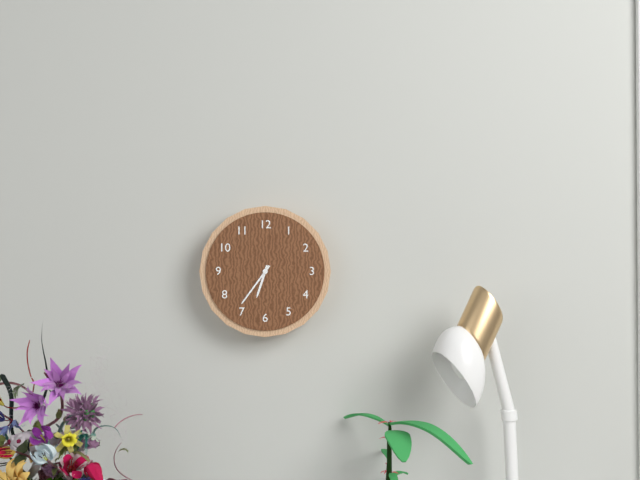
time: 6:36
